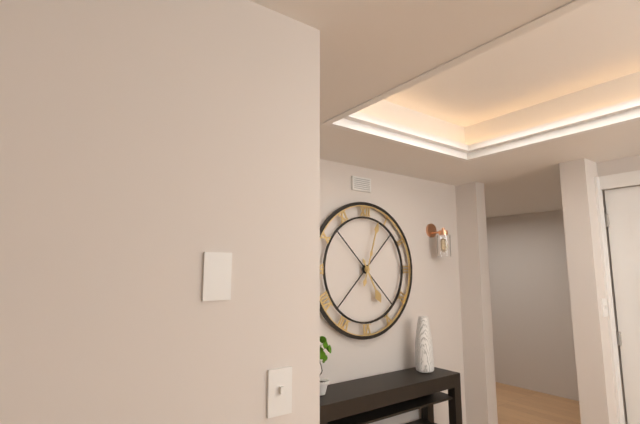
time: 5:03
